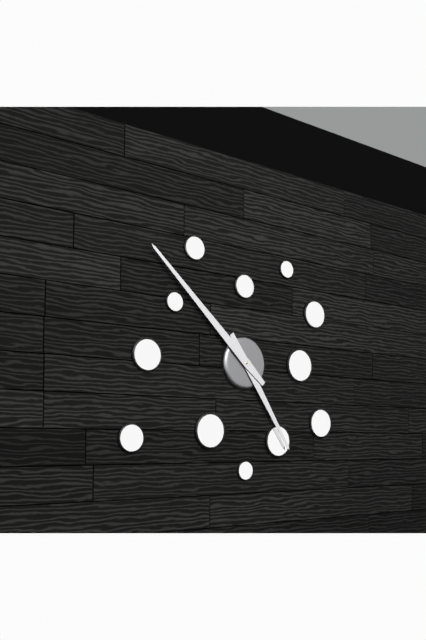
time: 4:52
